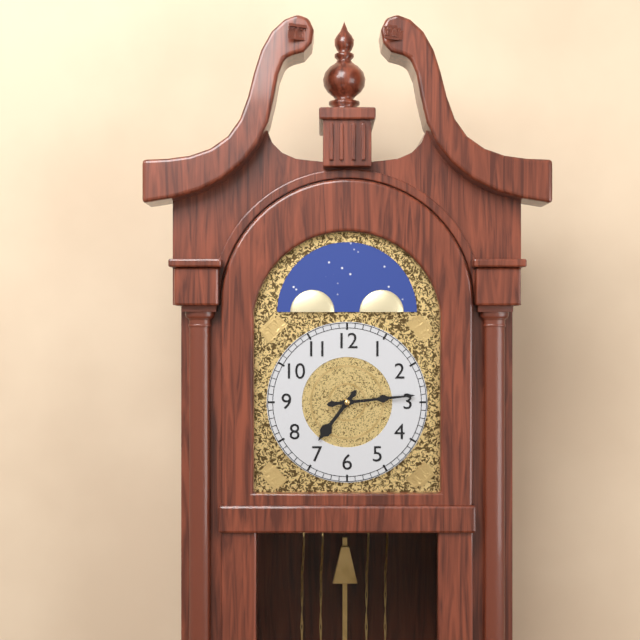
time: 7:14
